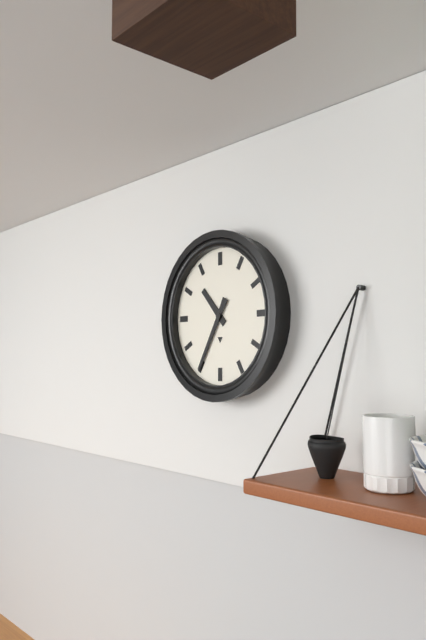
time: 10:35
